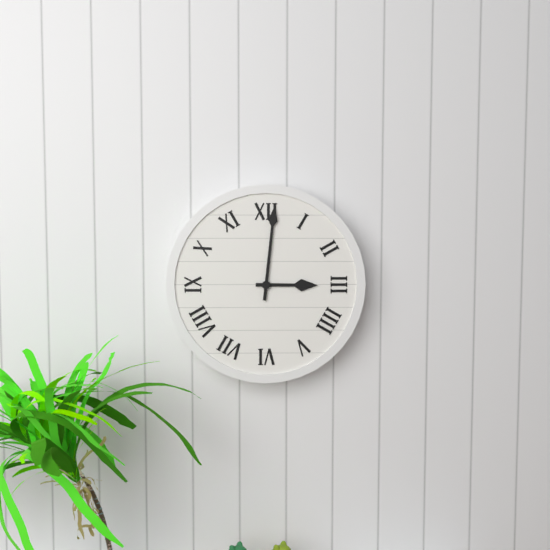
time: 3:01
